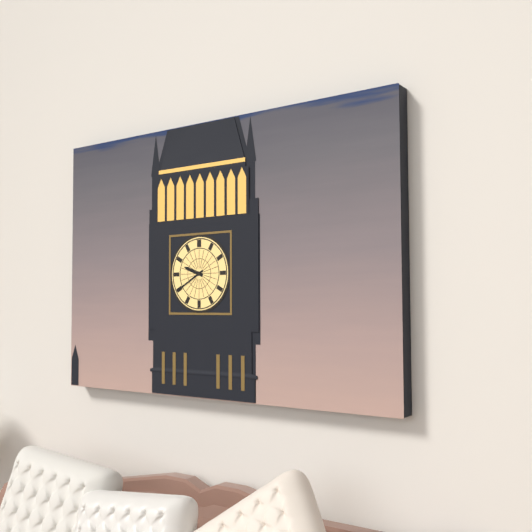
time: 9:40
